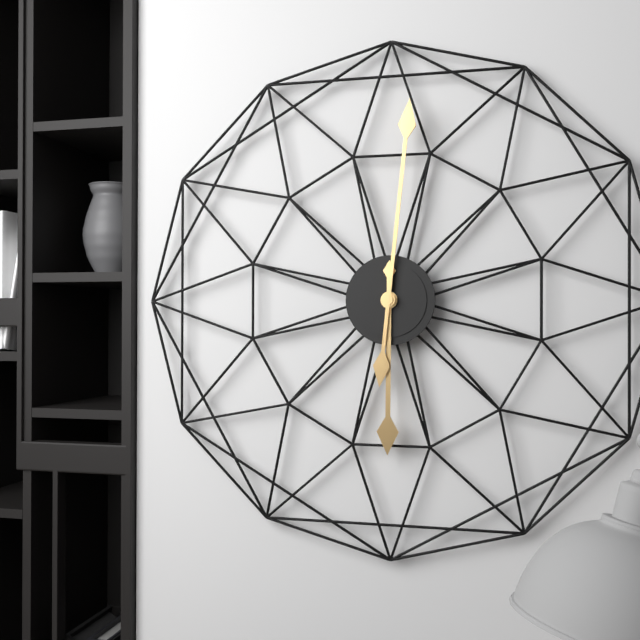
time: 6:01
